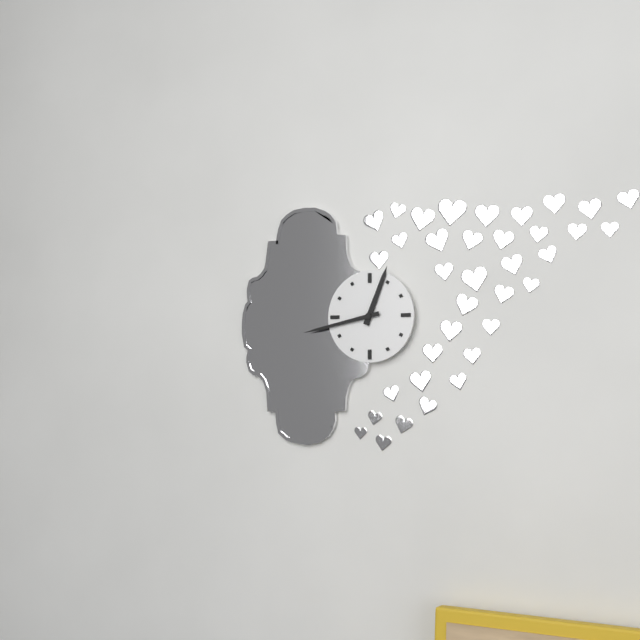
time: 12:43
